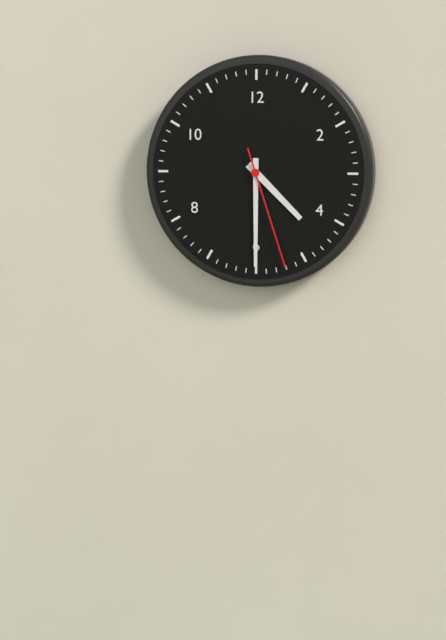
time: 4:30:27
